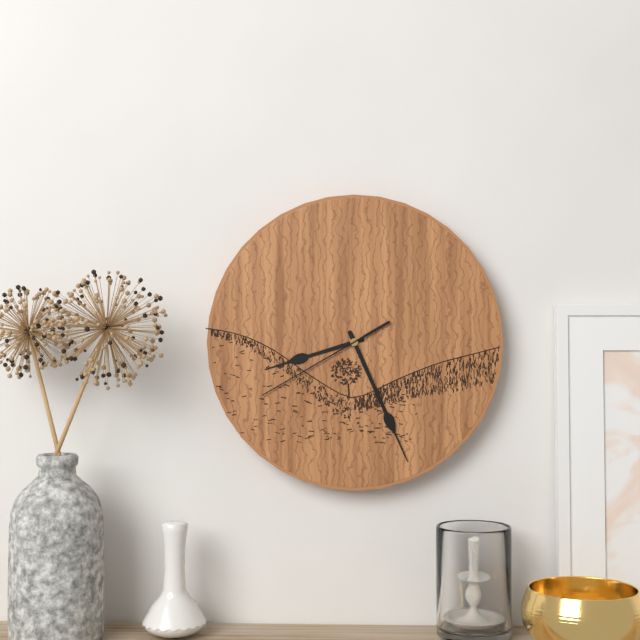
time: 8:26:40
